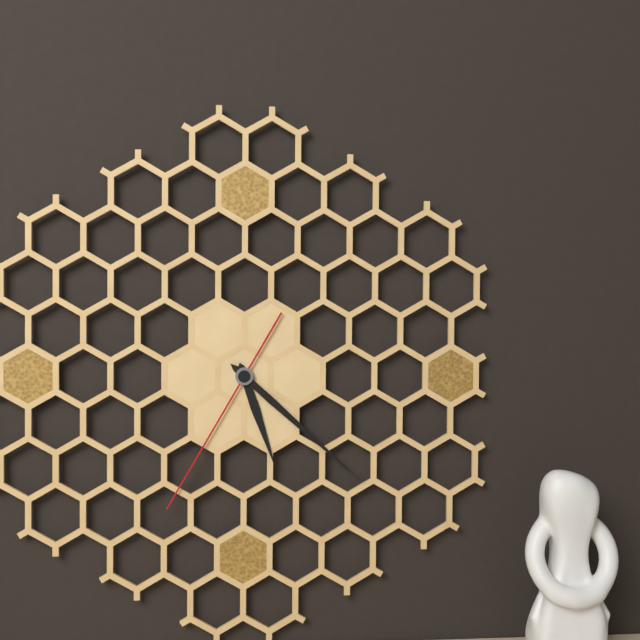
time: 5:22:35
